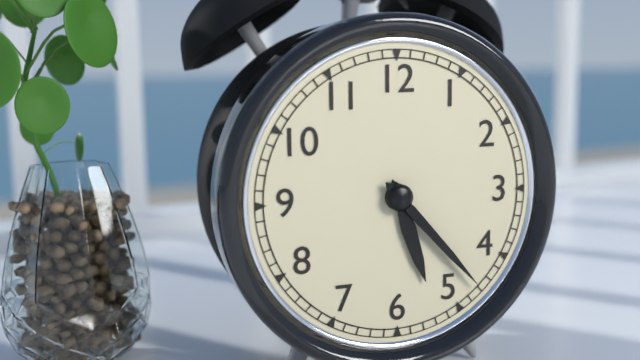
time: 5:23
